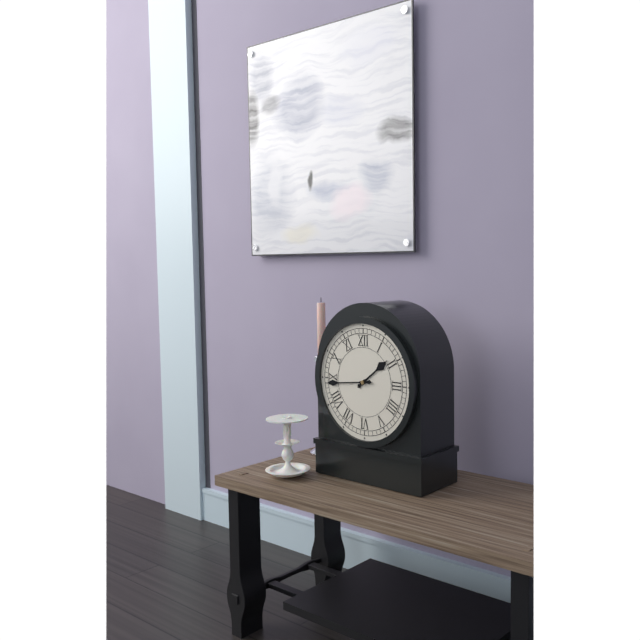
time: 1:44
